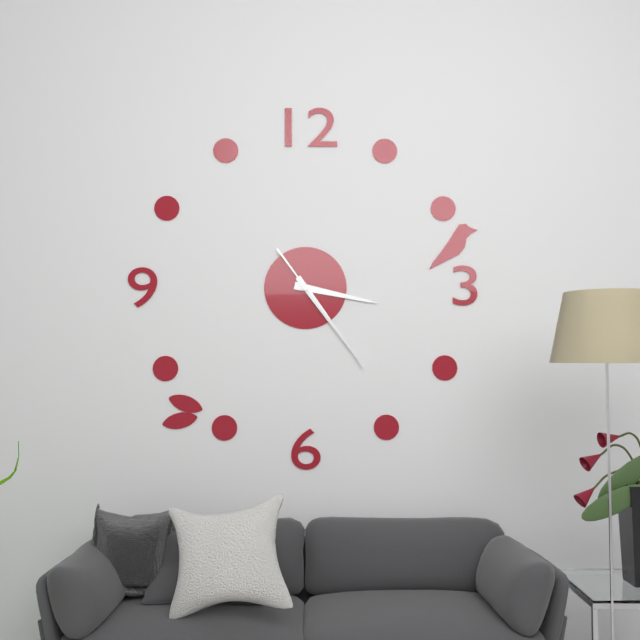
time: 3:24:24
